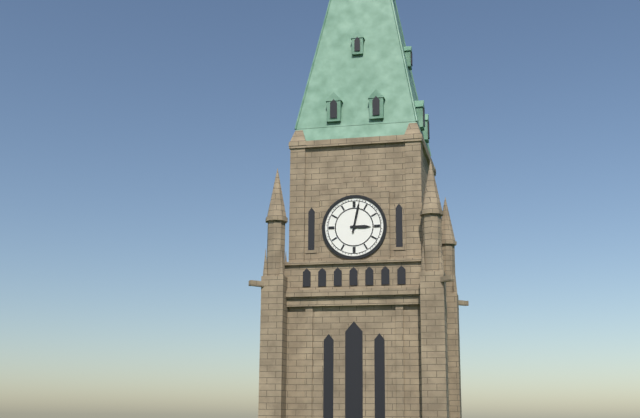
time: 3:02
